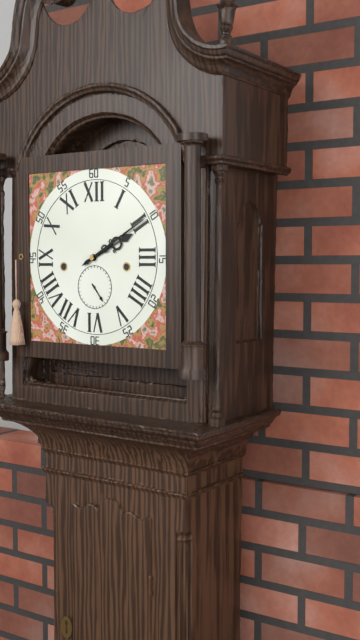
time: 2:10
